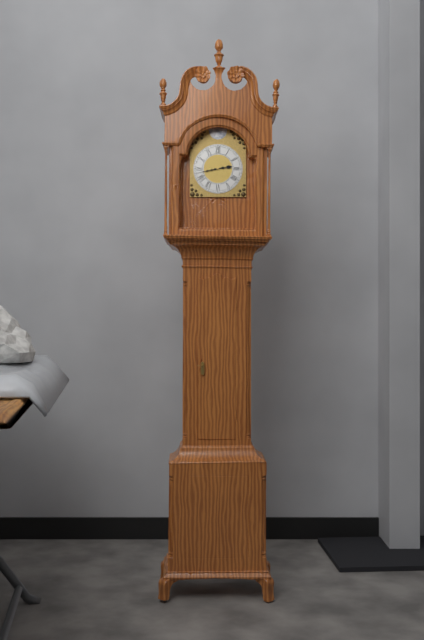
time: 2:43
